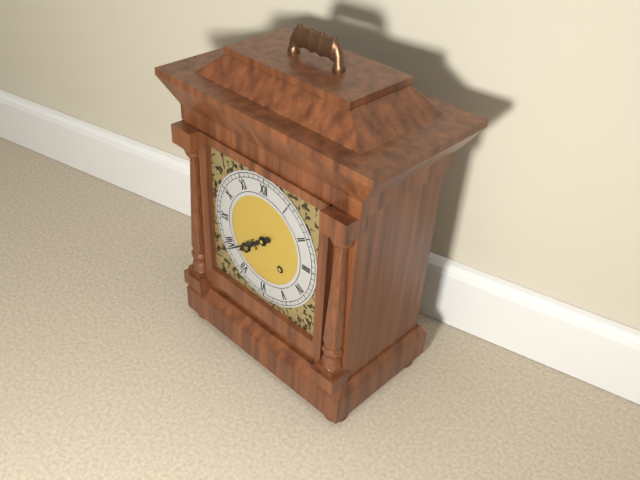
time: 7:39
